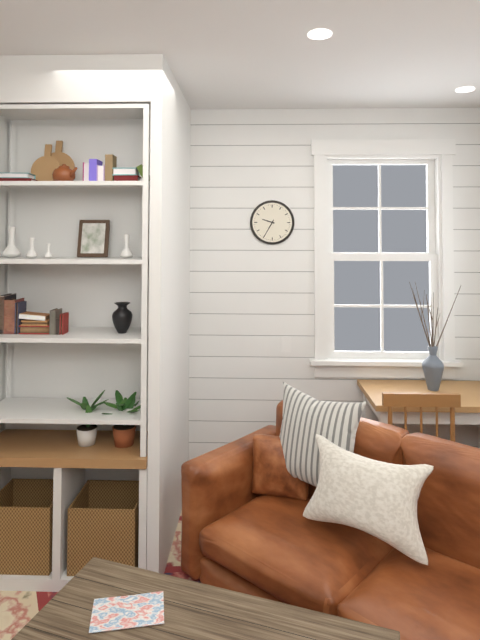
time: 9:35
